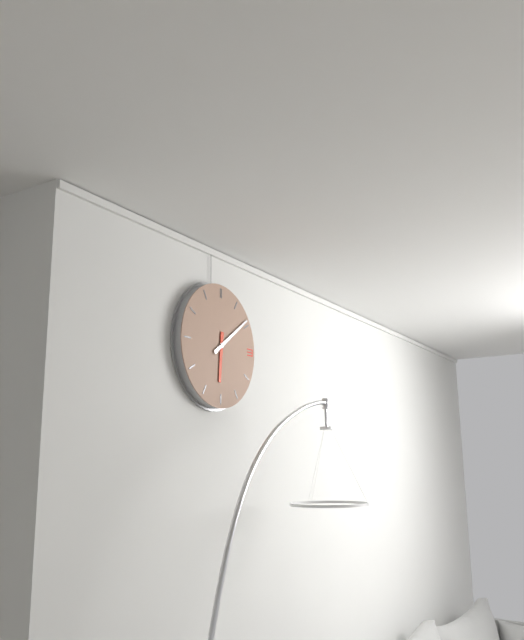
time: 6:09
